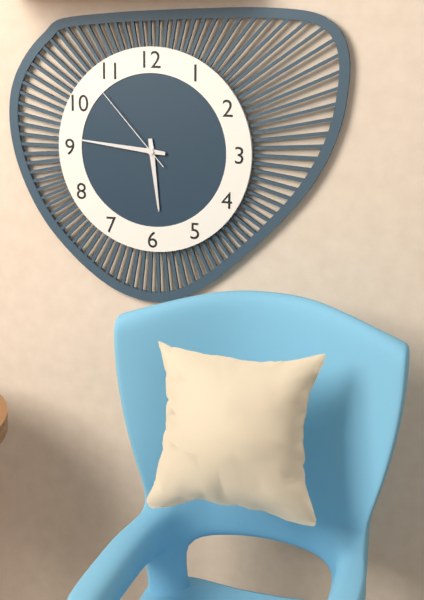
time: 5:46:53
